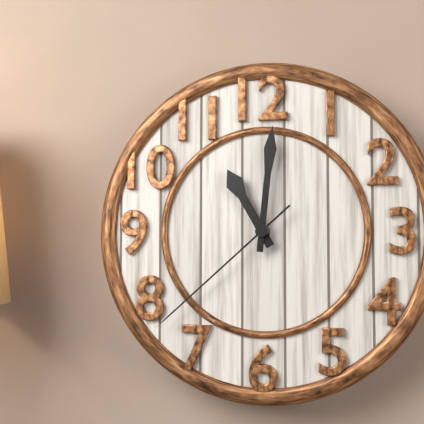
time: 11:01:38
